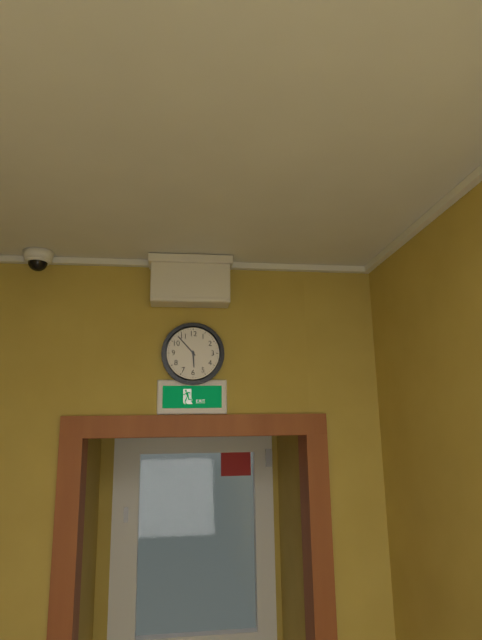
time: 5:53
